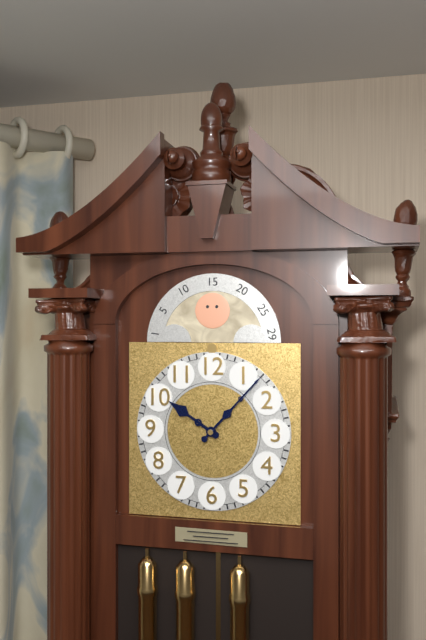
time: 10:07
